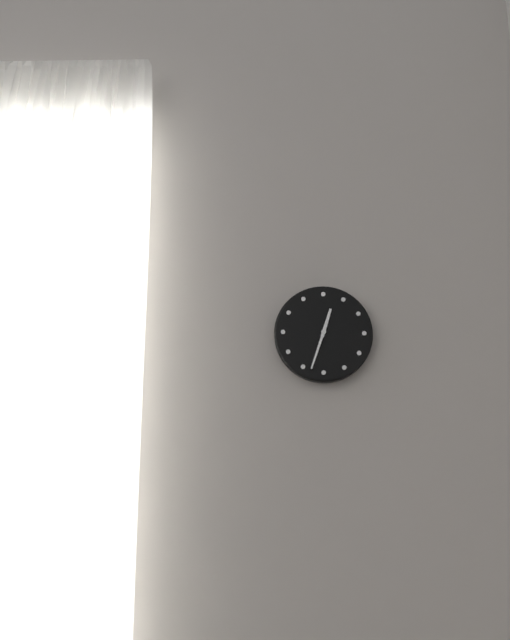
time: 12:33
